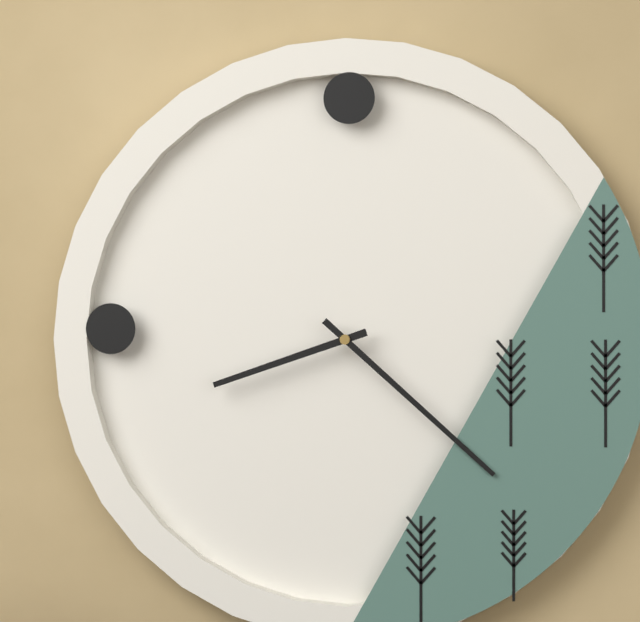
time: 8:22
